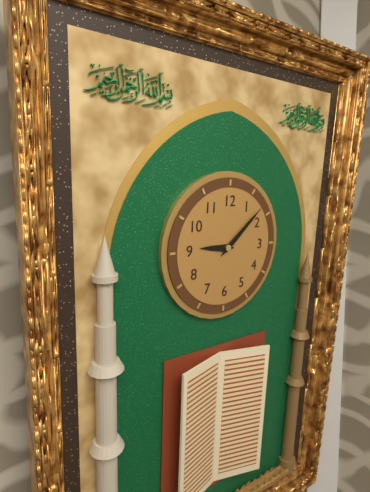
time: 9:08
